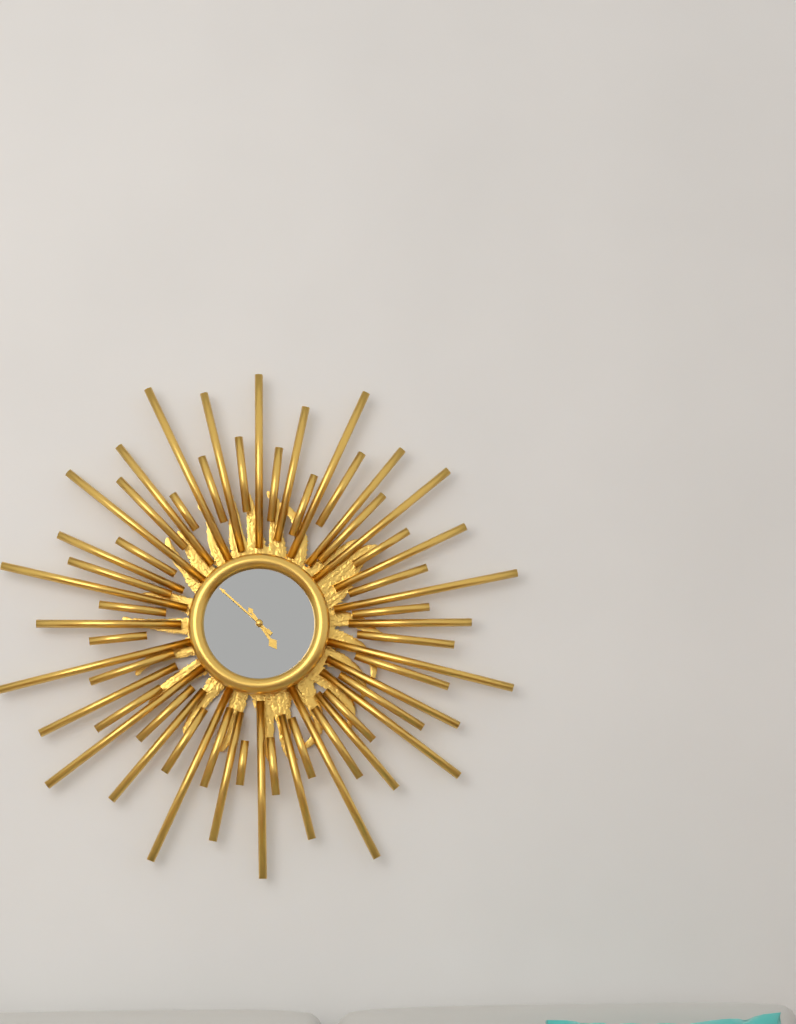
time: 4:52
